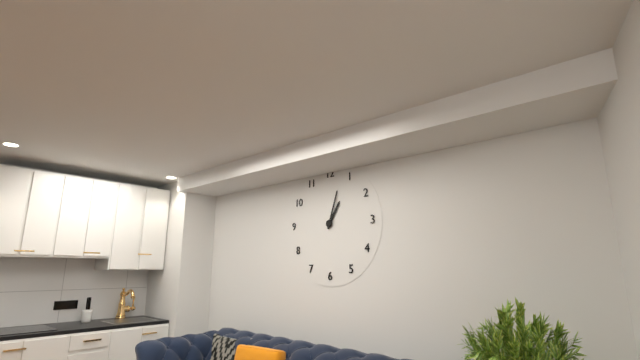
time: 1:03
